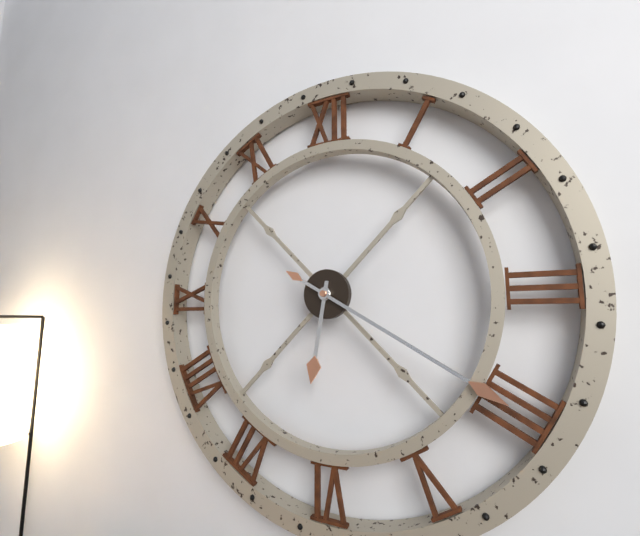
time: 6:20
